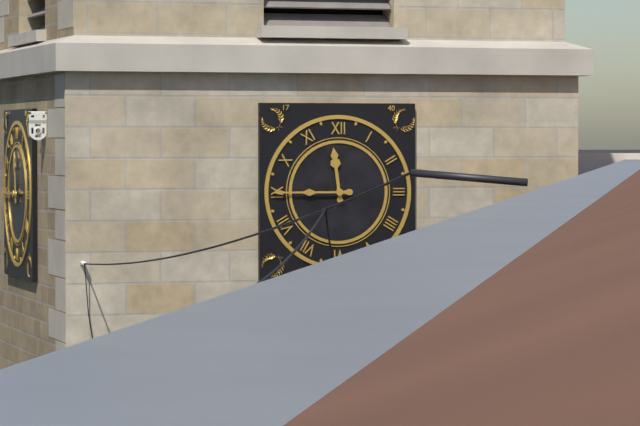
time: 11:45
